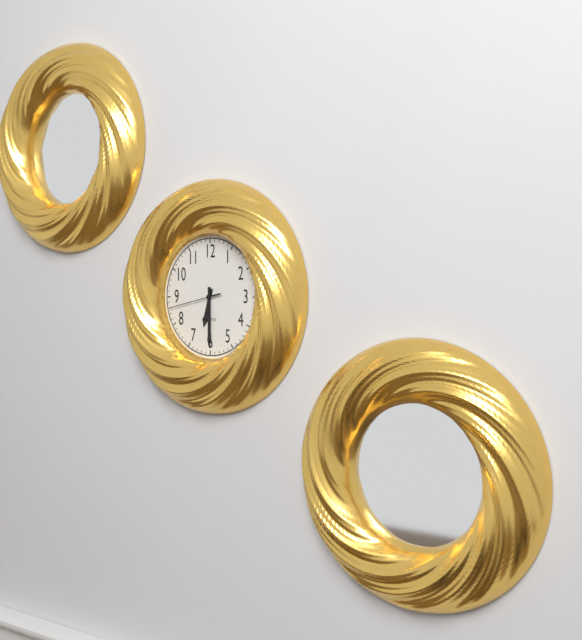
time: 6:30:43
